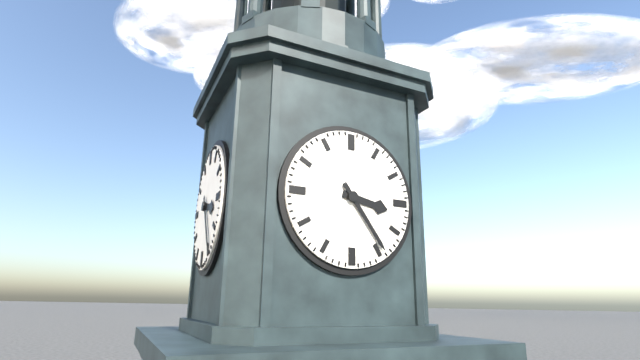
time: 3:24
